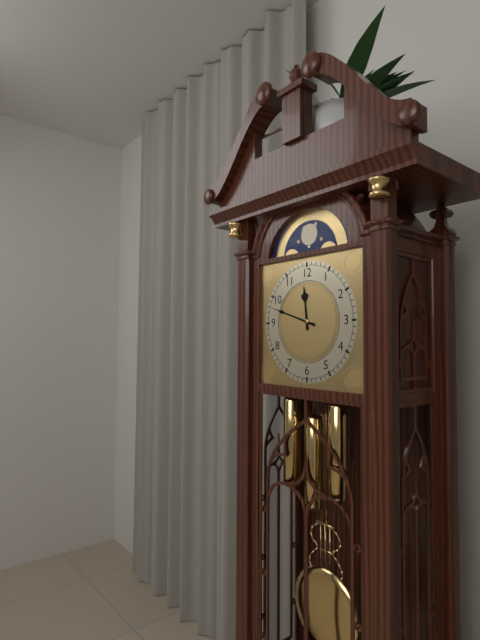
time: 11:48
